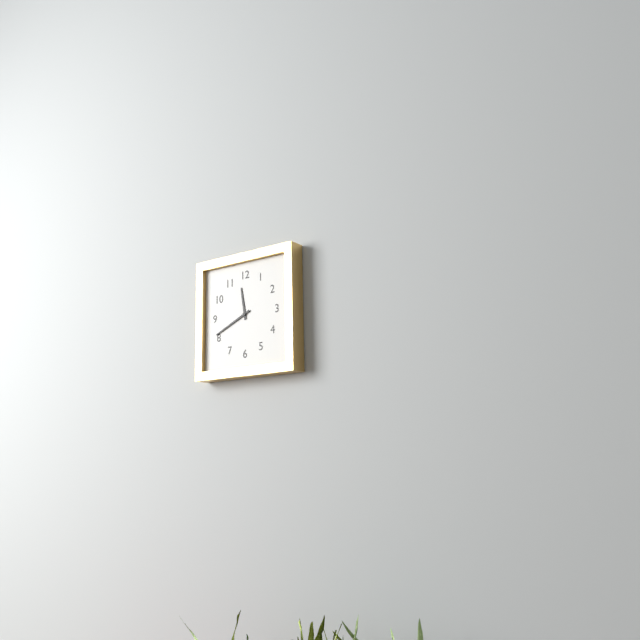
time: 11:41
